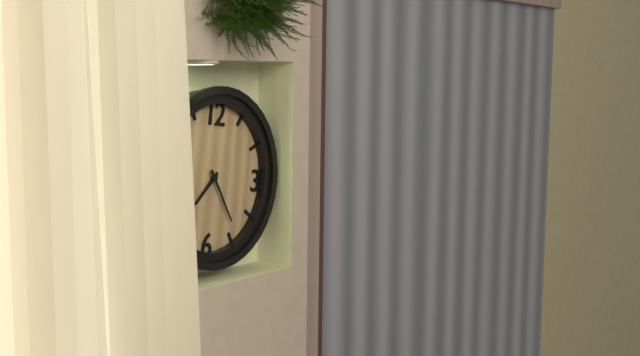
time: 7:24
